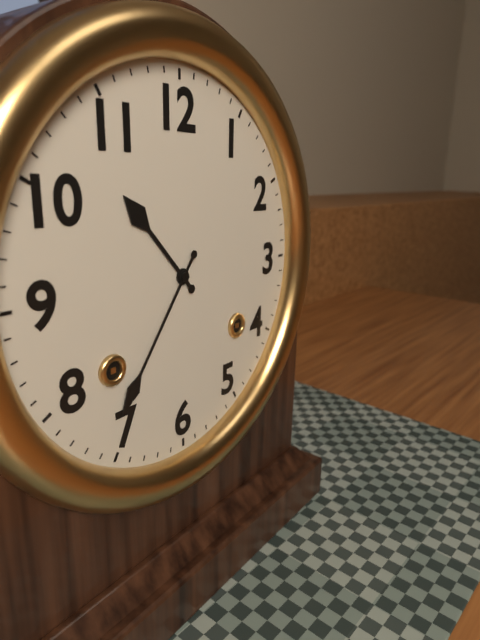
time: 10:36
